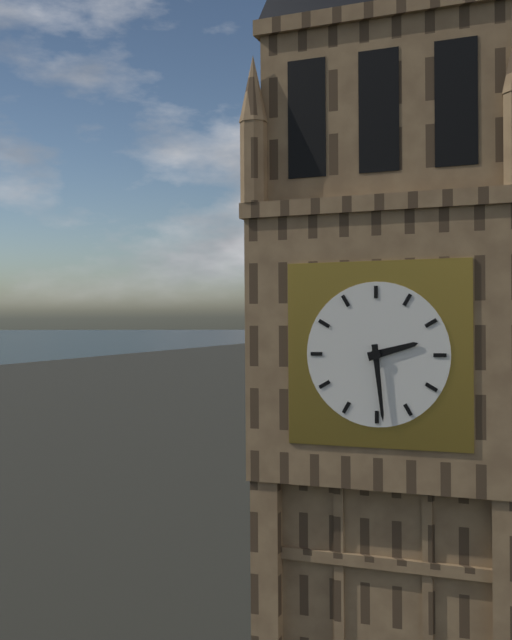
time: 2:29
